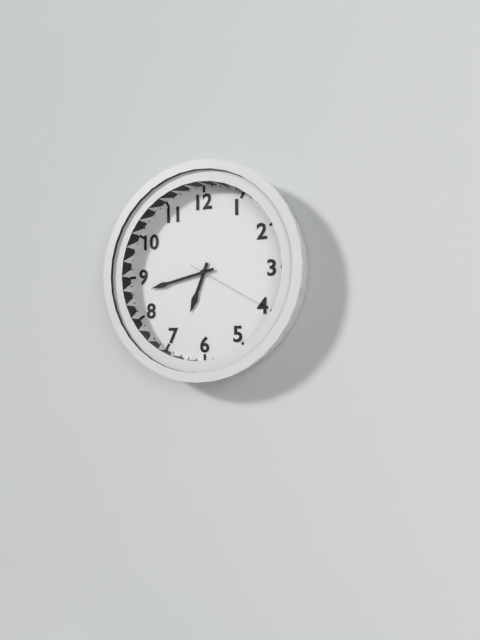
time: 6:43:20
